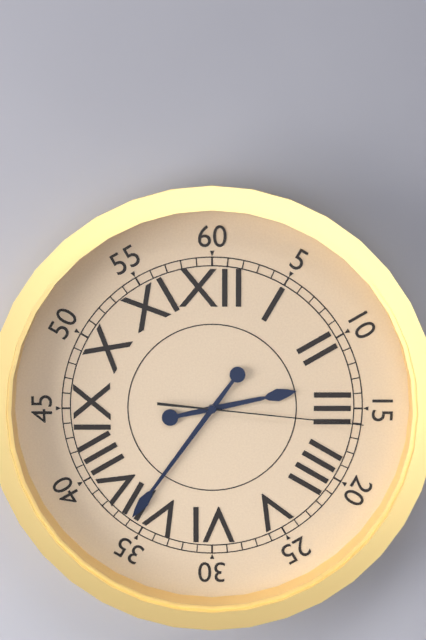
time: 2:36:16
